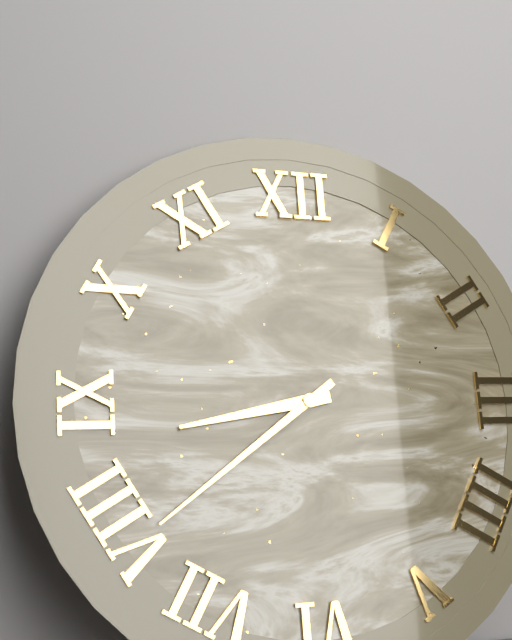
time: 8:39
